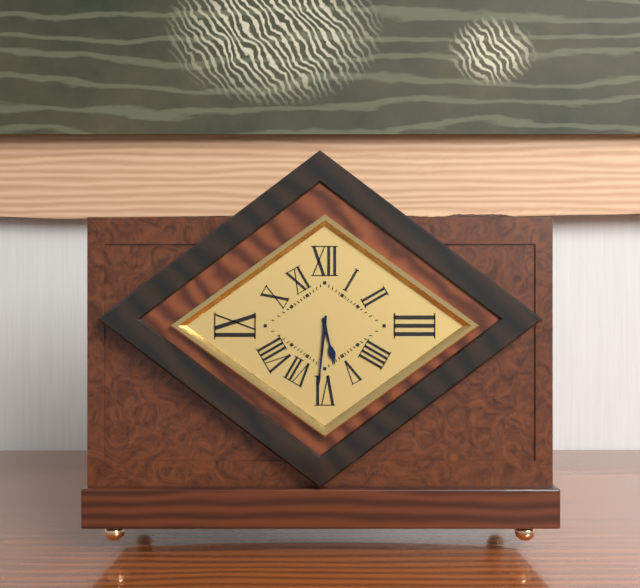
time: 5:31
